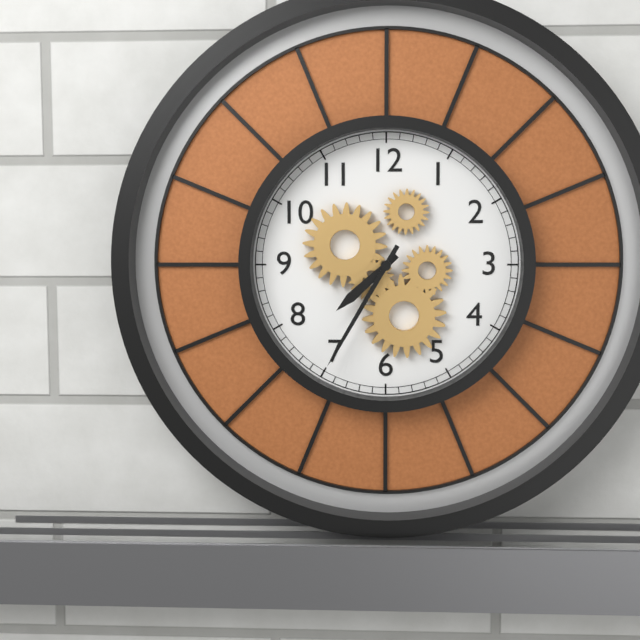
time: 7:35
